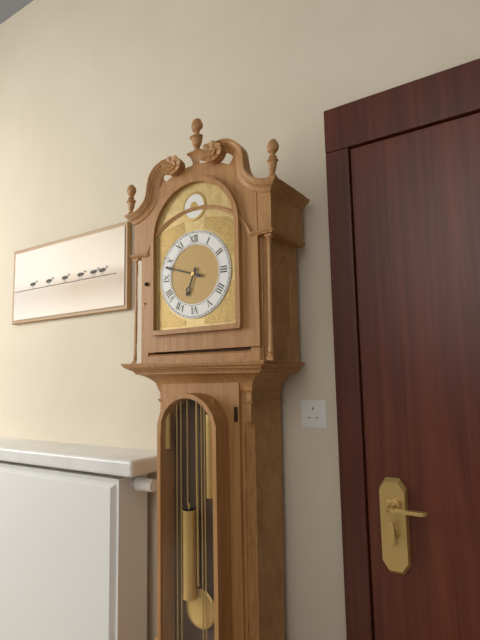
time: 6:48
